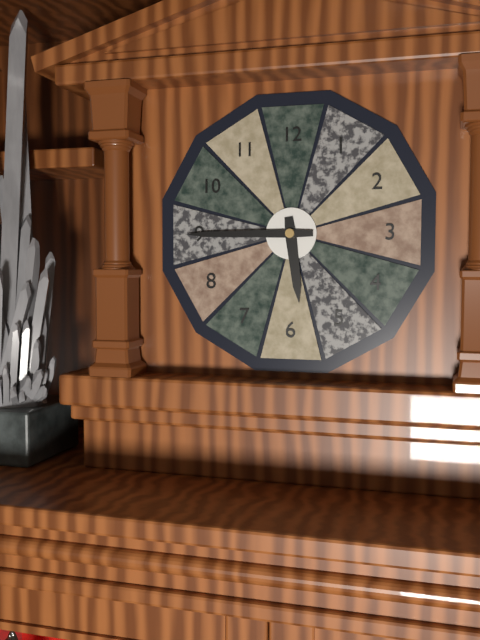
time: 5:45
